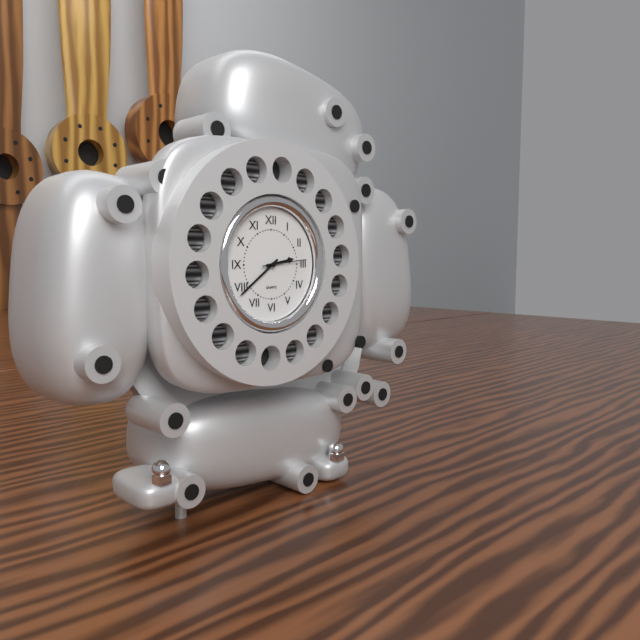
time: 2:39
